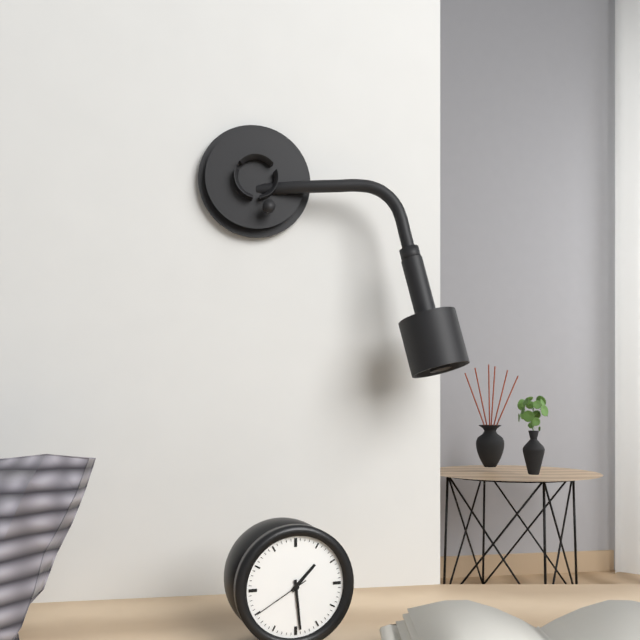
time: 1:29:40
